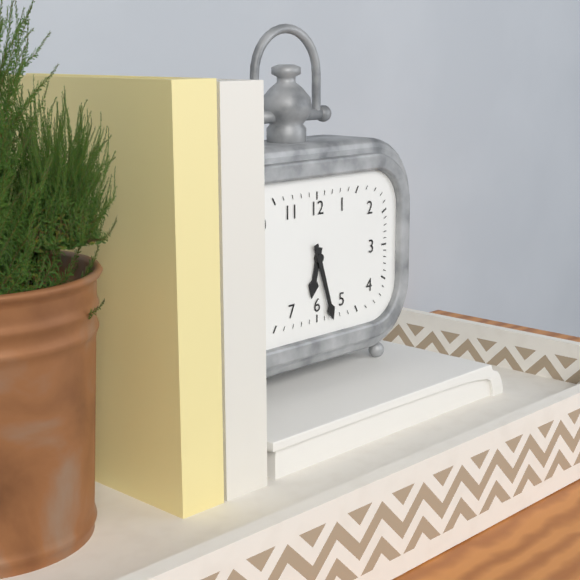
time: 6:27
